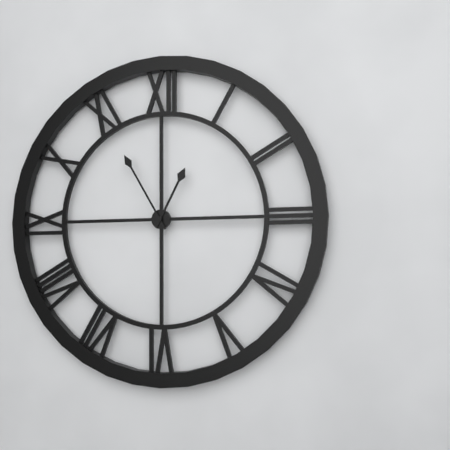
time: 12:55
